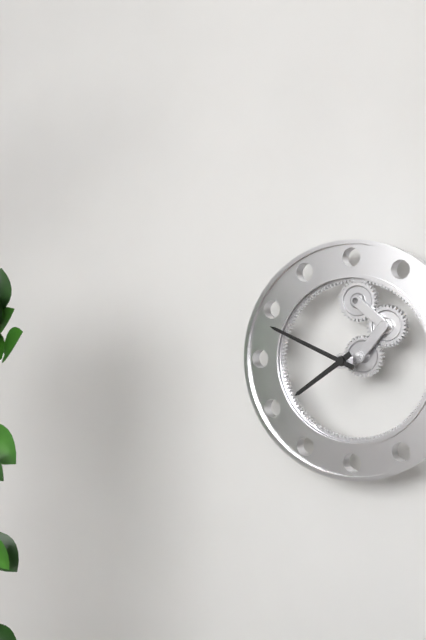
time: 7:49
